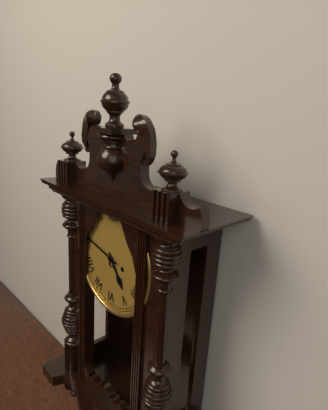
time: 4:47
